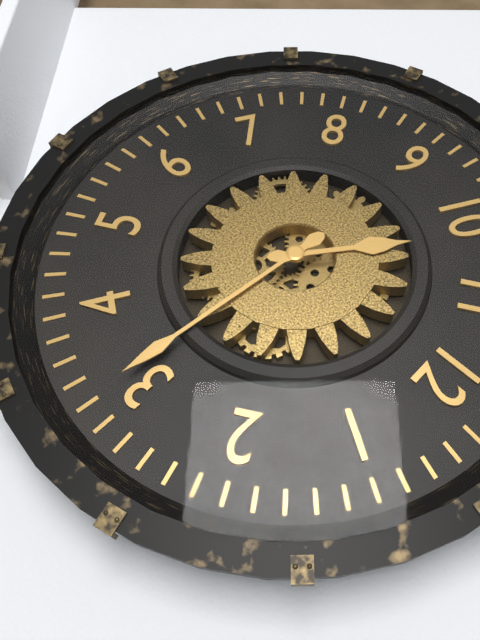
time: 10:16
